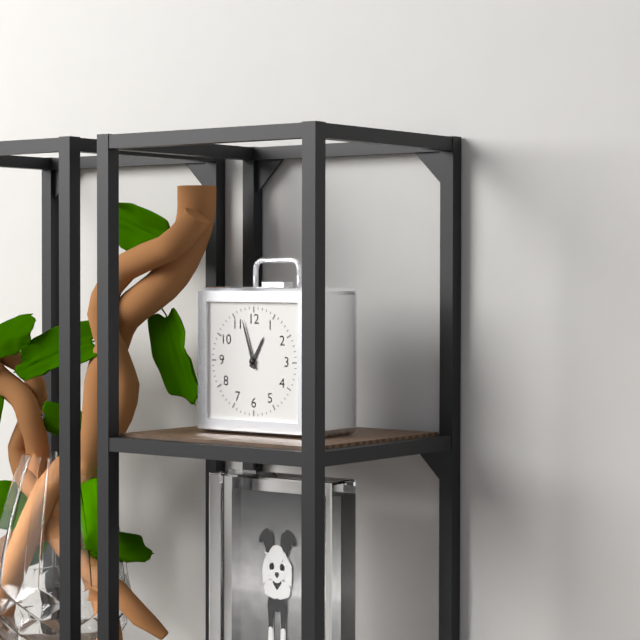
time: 12:57
